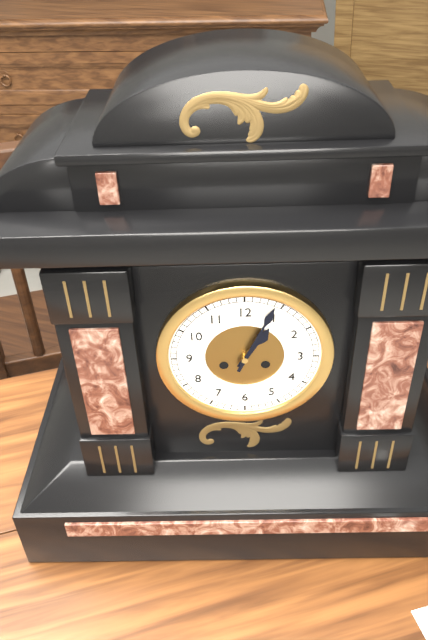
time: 1:04
